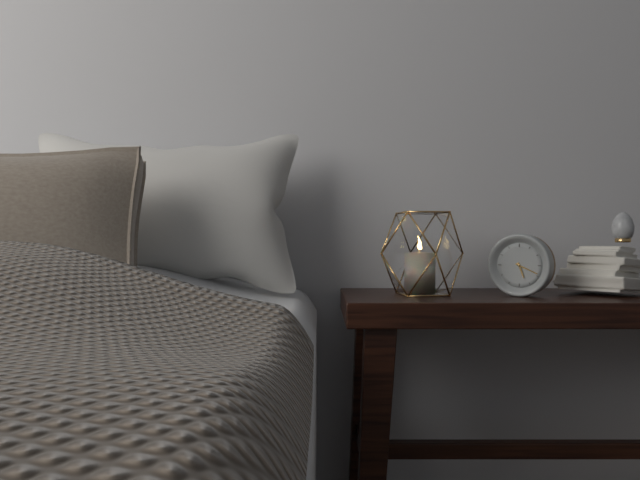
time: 5:19
